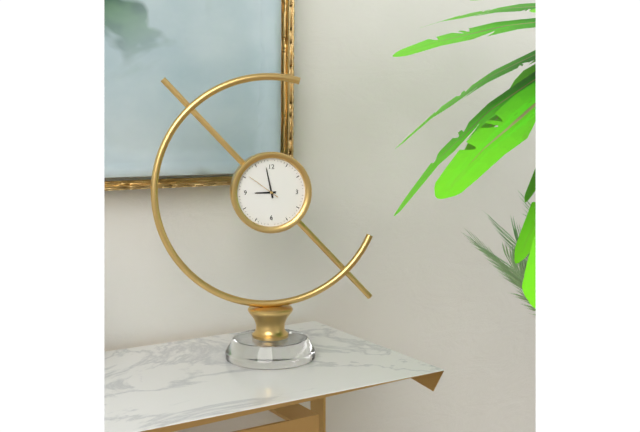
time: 8:58
